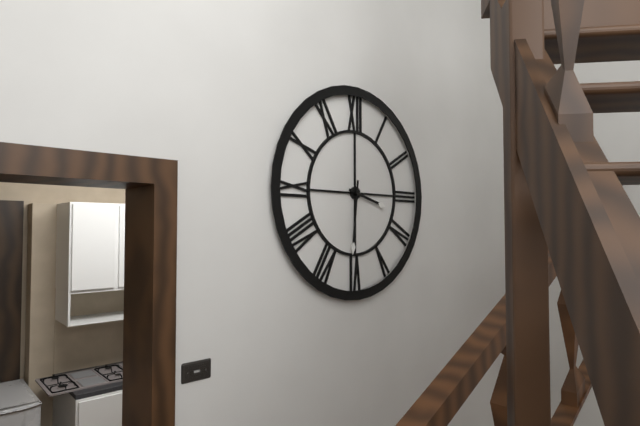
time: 3:31
